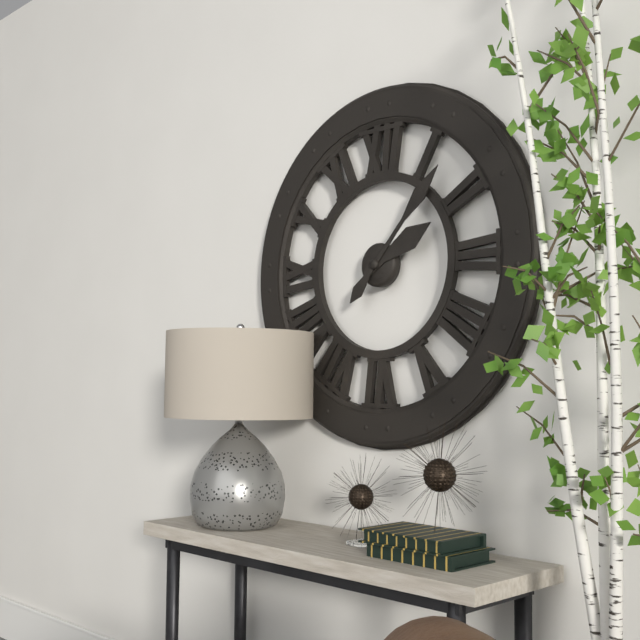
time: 2:07
